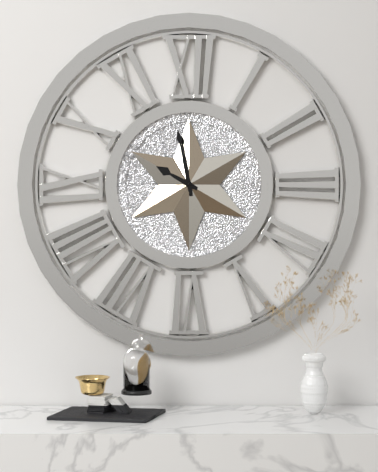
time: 9:58
